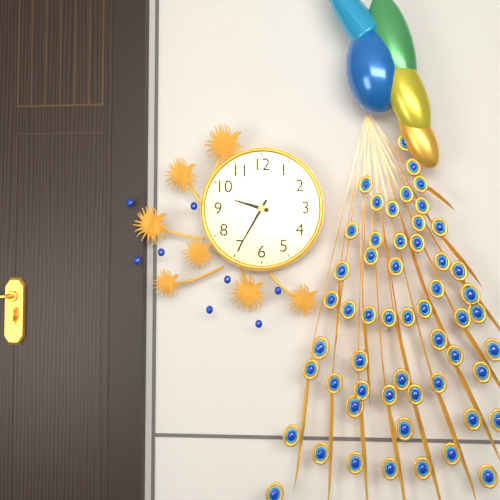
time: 9:35
